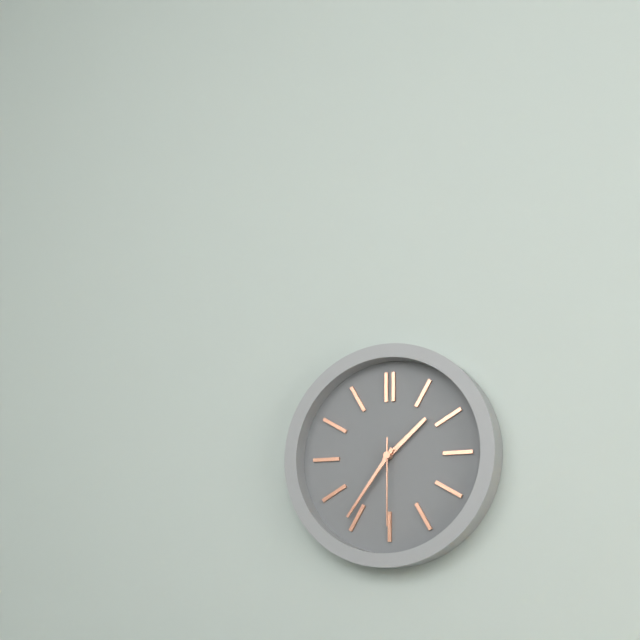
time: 1:36:30
